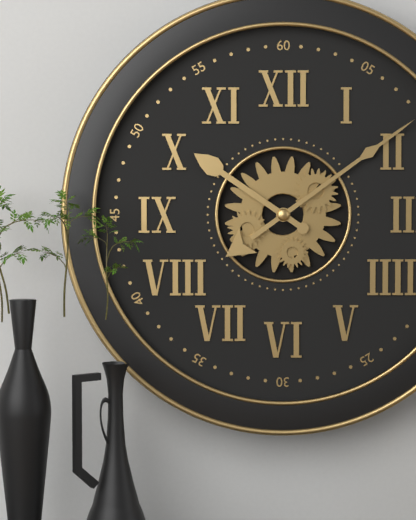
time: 10:09
